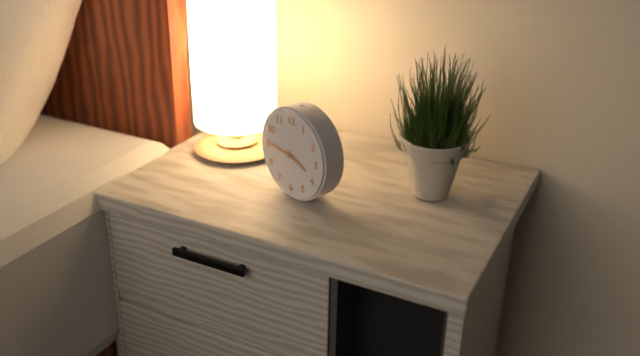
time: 3:46
